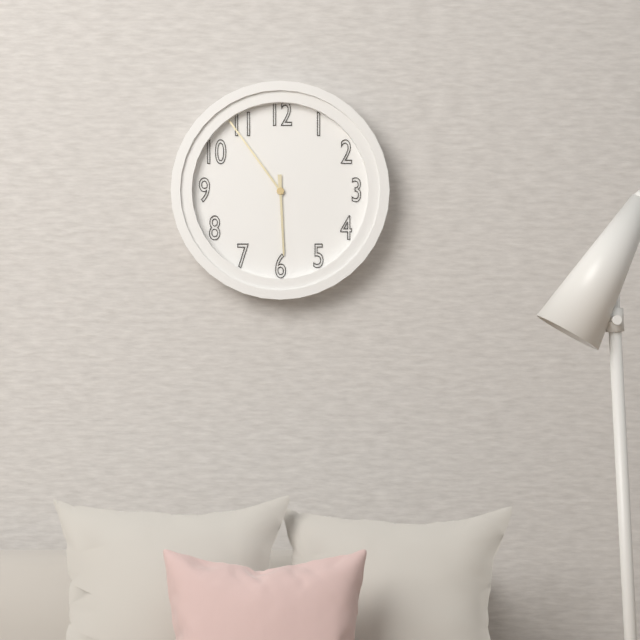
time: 5:54
